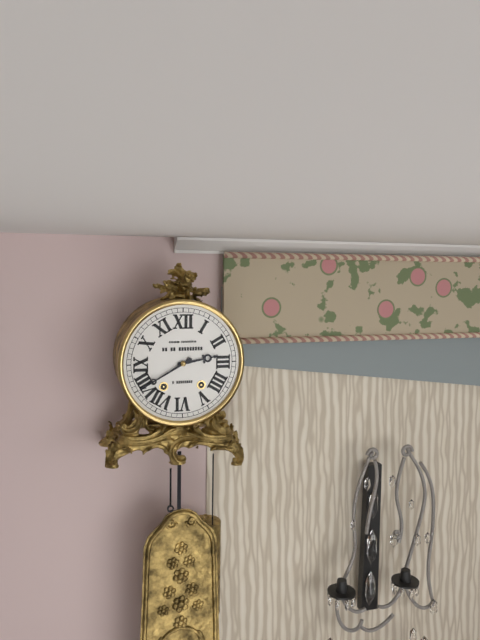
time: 2:40
